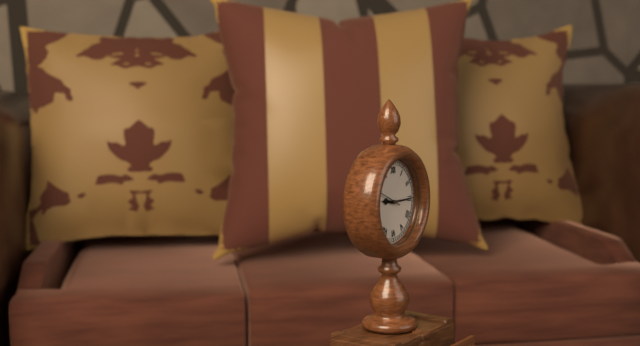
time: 9:15
